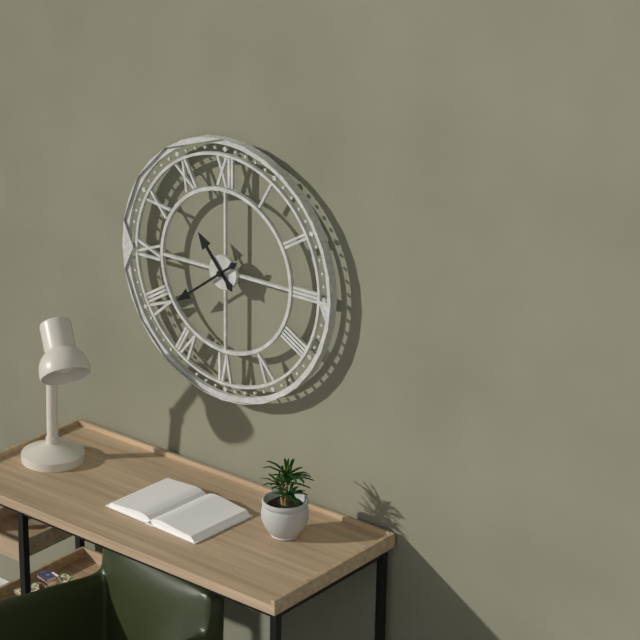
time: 10:39
